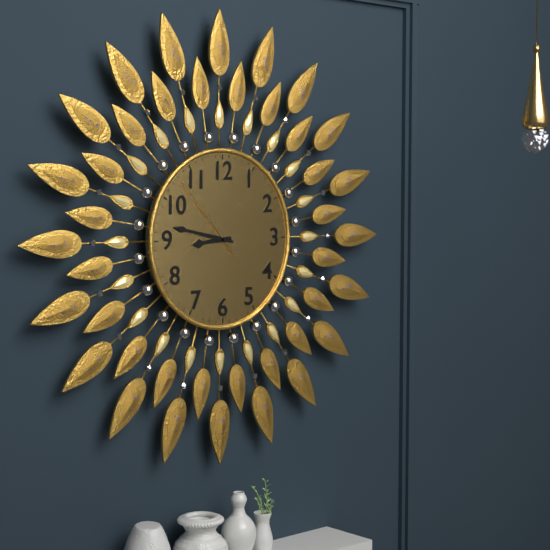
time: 8:47:53
